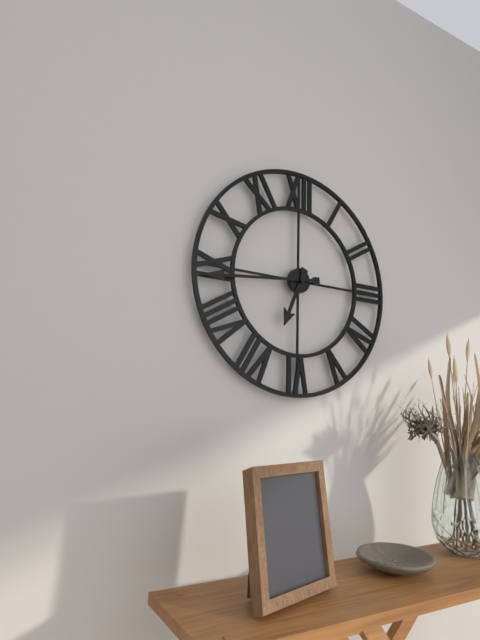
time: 6:44
